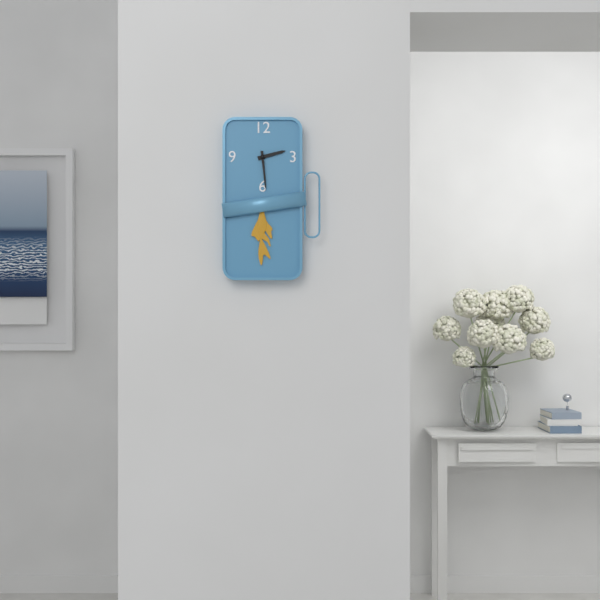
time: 2:29
